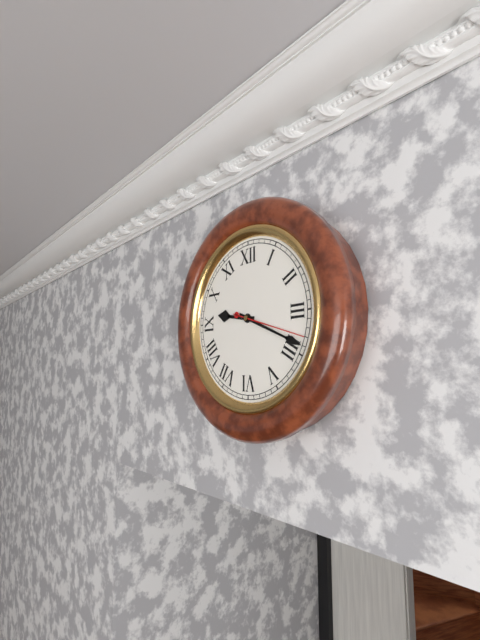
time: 9:19:18
